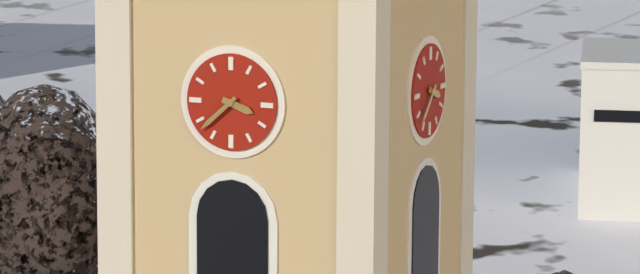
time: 3:38
